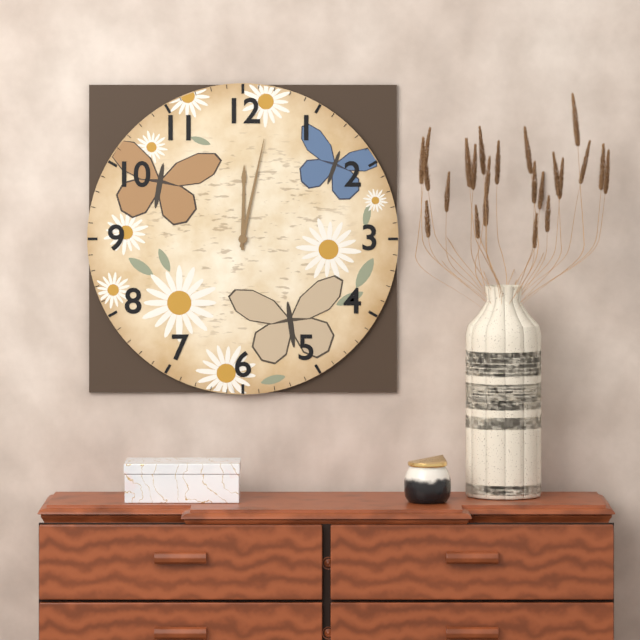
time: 12:02
